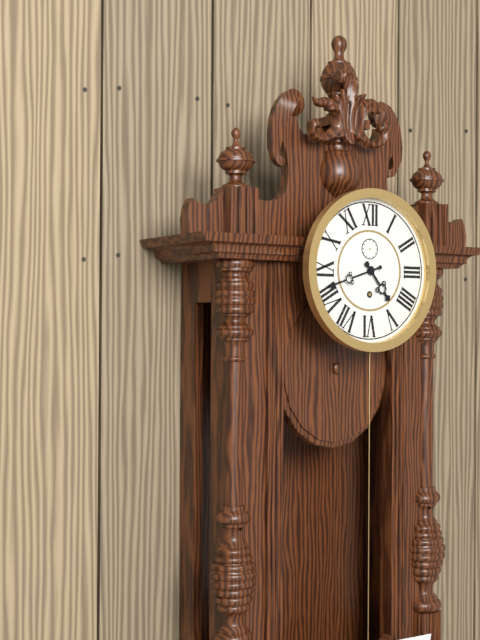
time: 4:42
